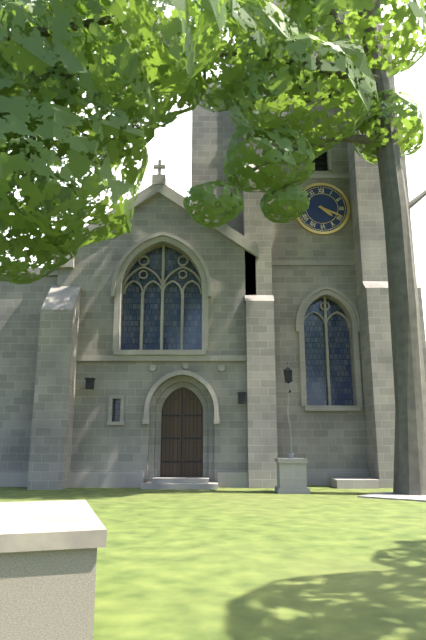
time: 4:19
